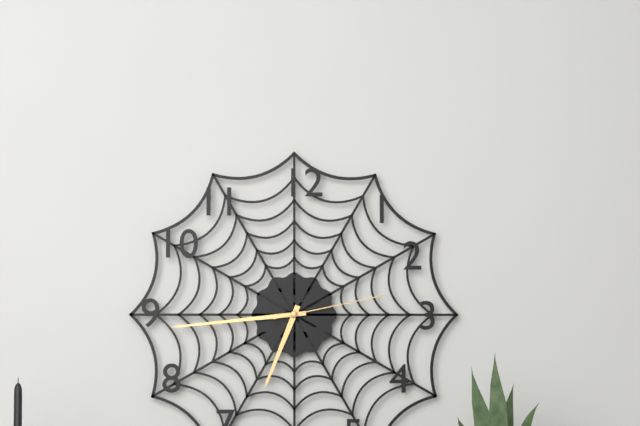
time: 6:44:13
